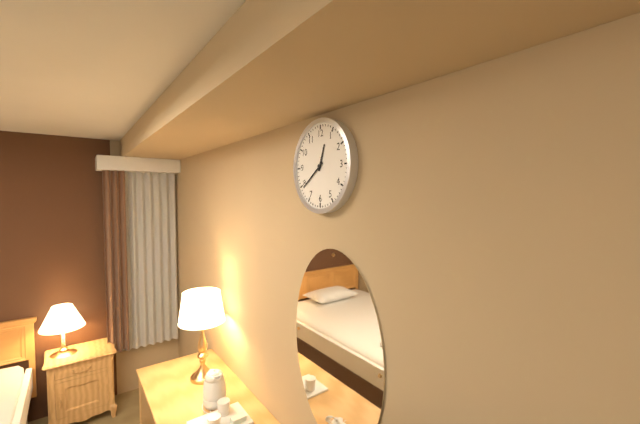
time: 12:39
